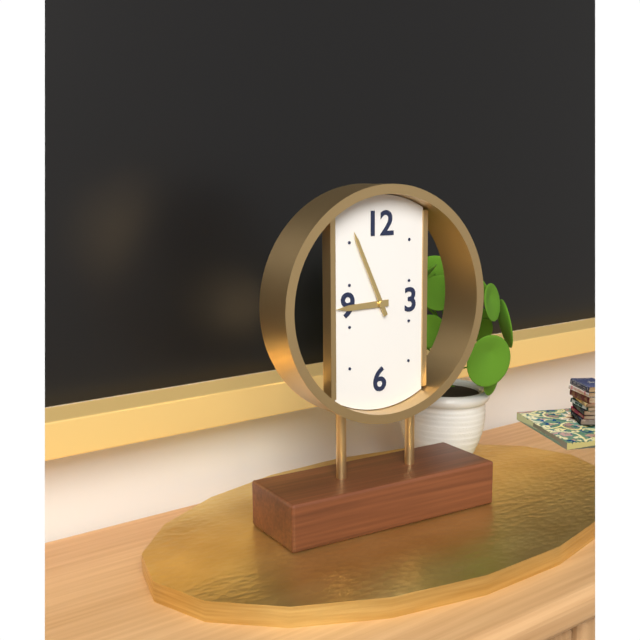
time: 8:56
